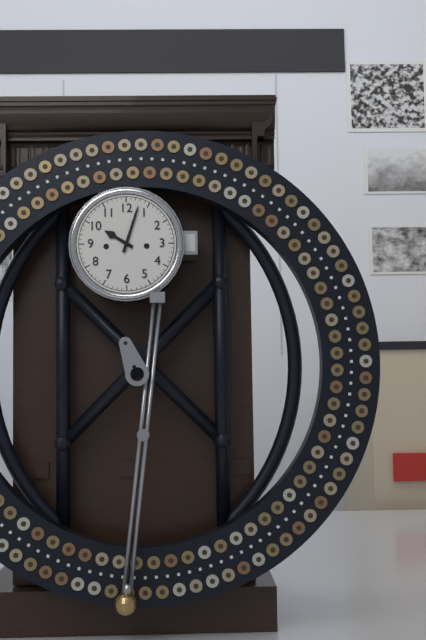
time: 10:03
